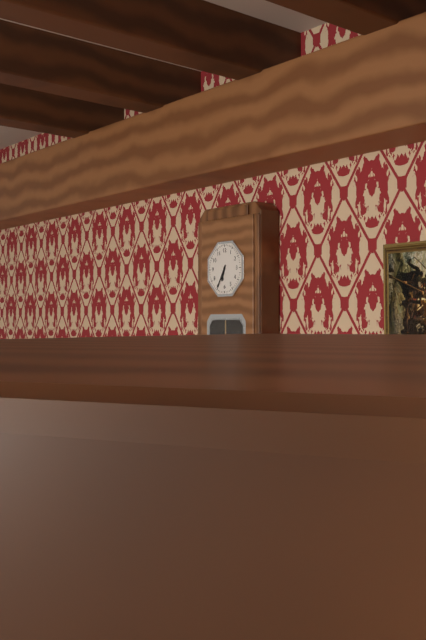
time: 6:35
